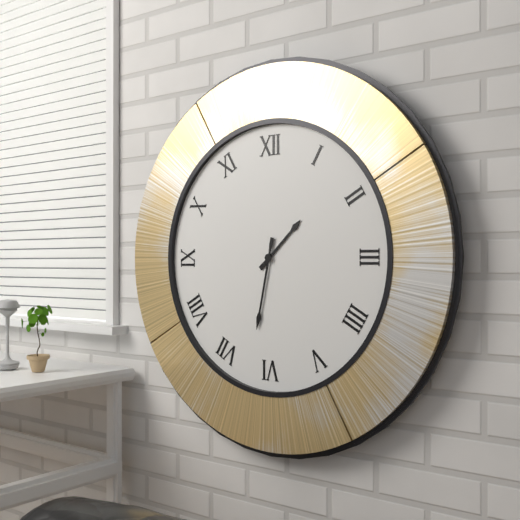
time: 1:32
